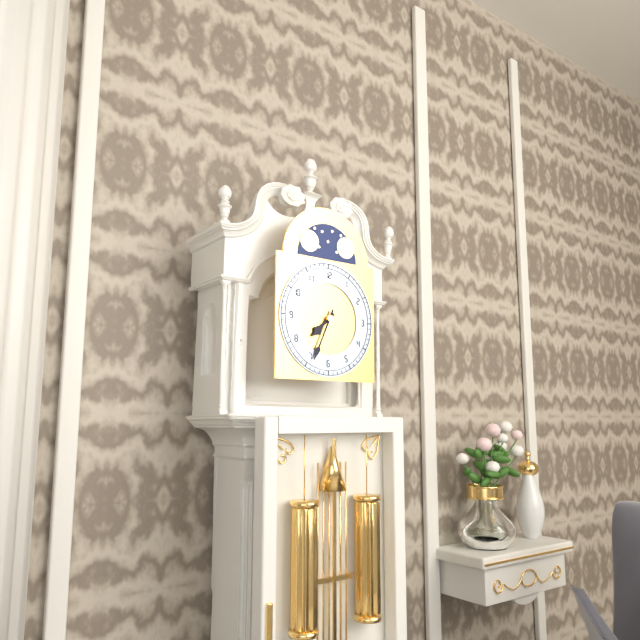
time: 7:34
